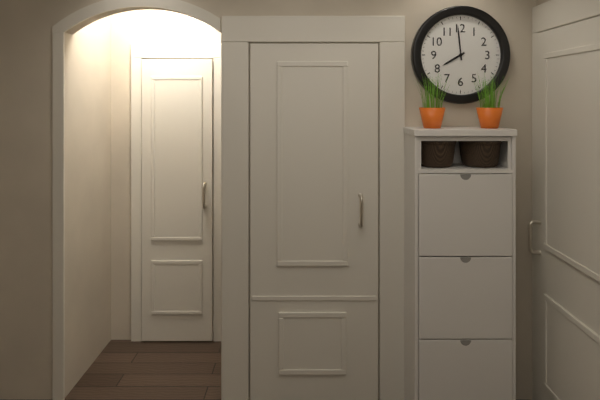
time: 7:59
